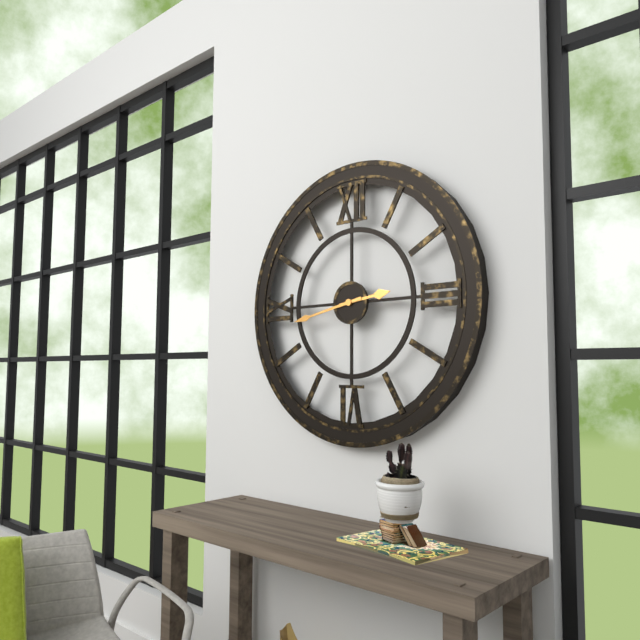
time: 2:43
